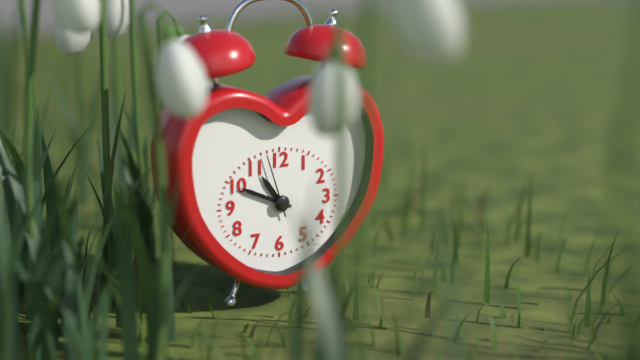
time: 10:49:57
